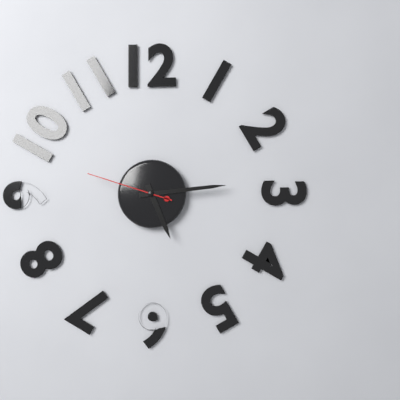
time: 5:14:48
